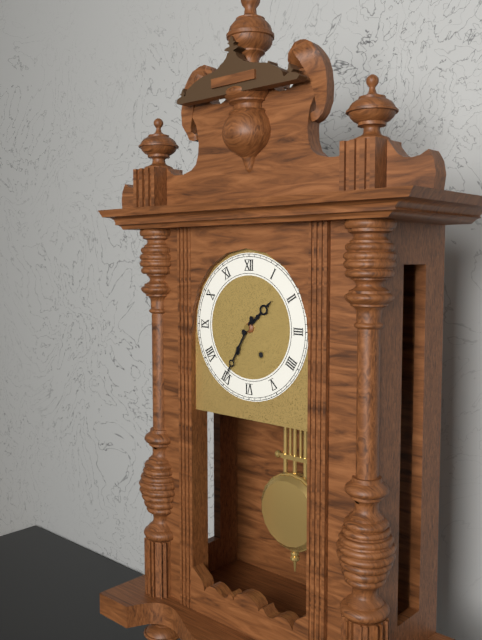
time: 1:35
